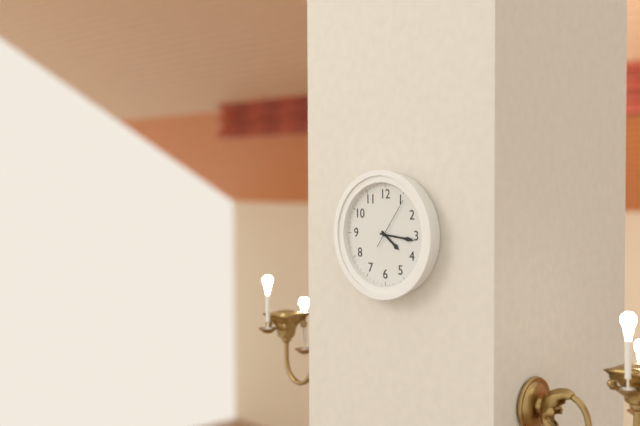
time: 4:16
